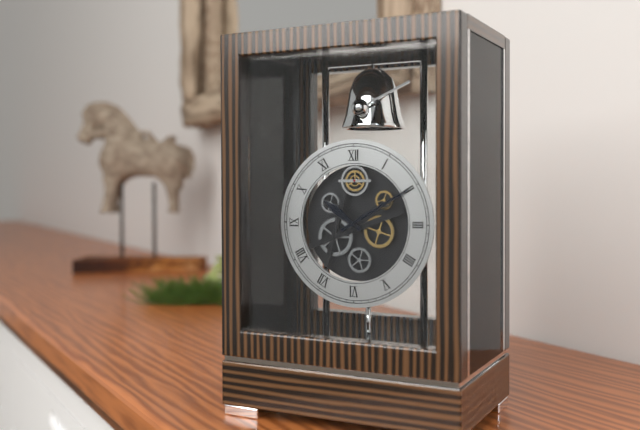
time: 10:10
